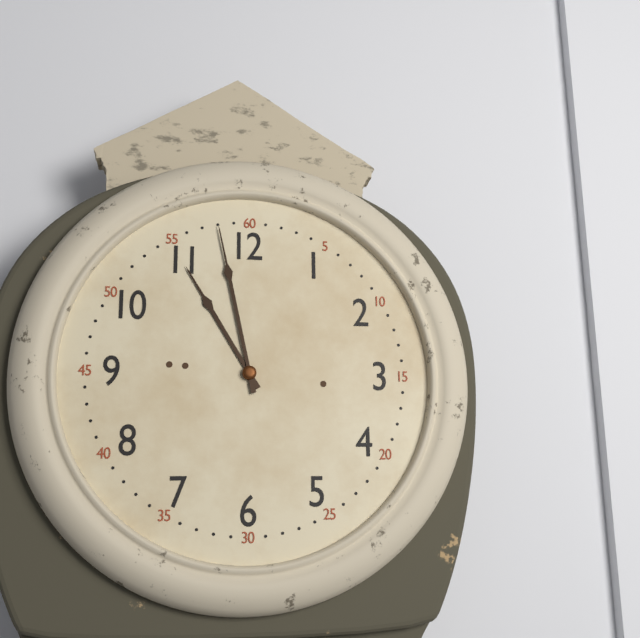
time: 10:58
